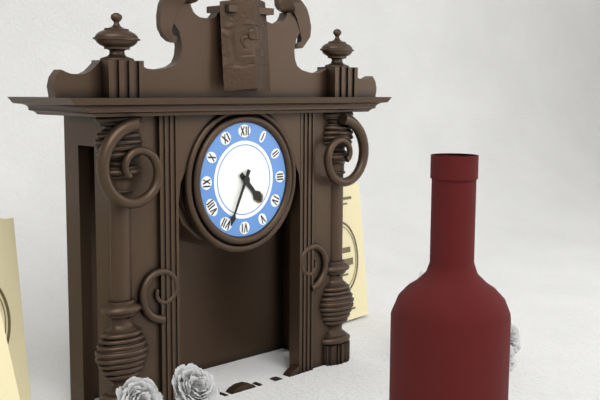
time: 4:34
